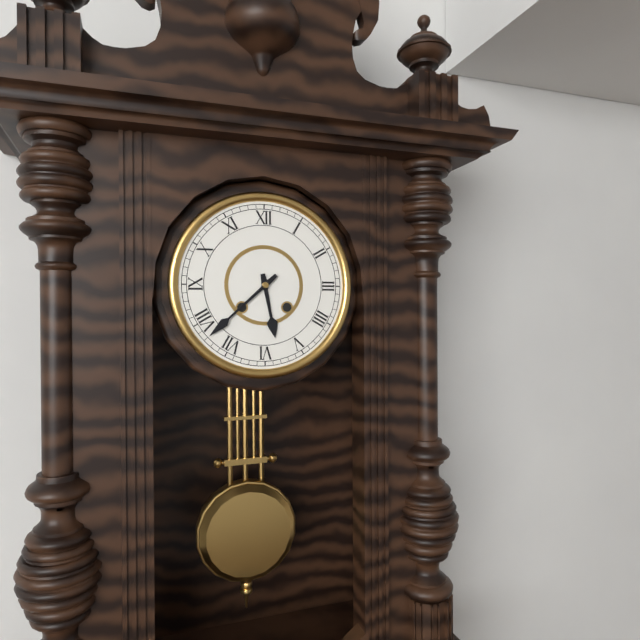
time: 5:38
